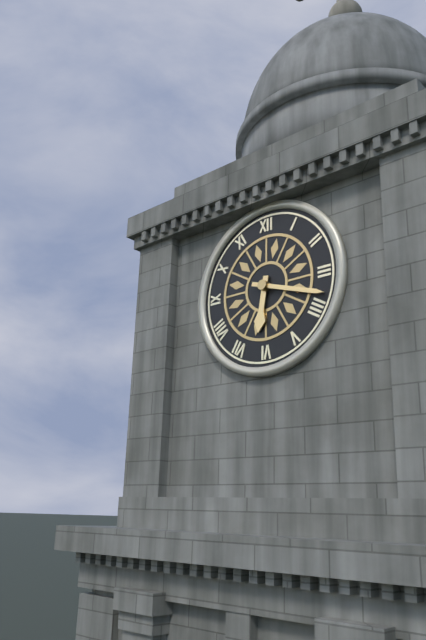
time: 6:18
